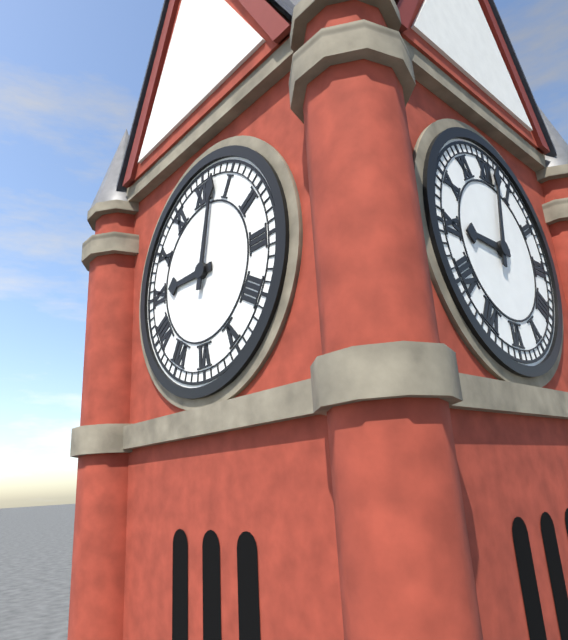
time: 9:02
